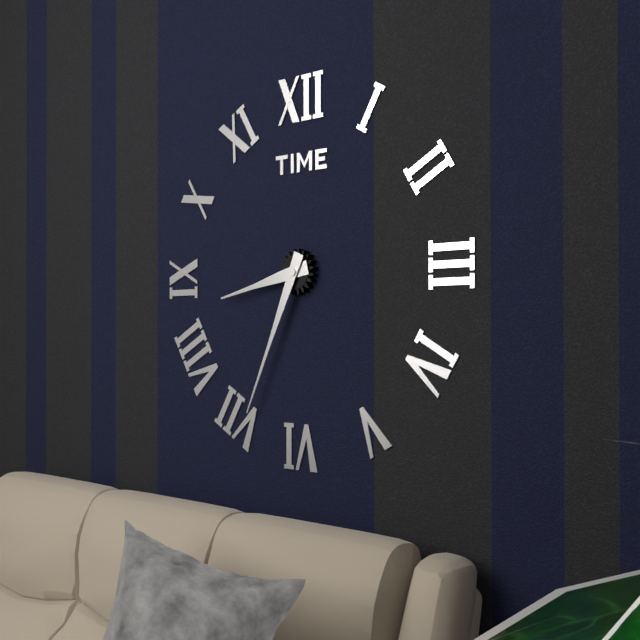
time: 8:34
